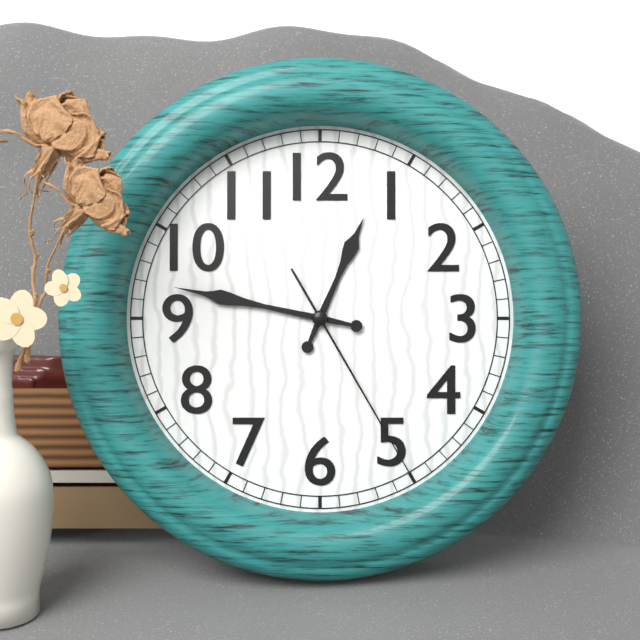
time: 12:47:25
